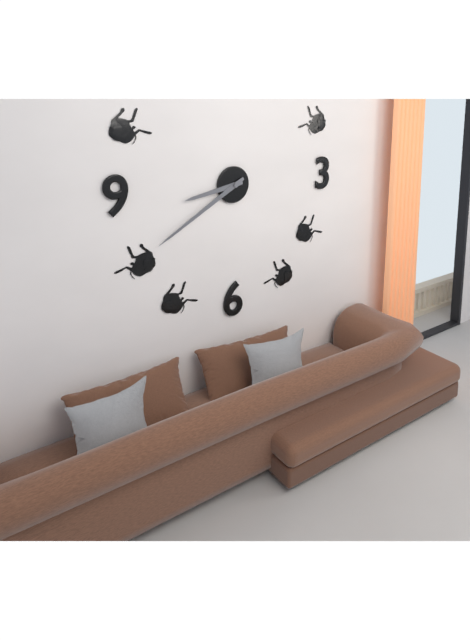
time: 8:40
